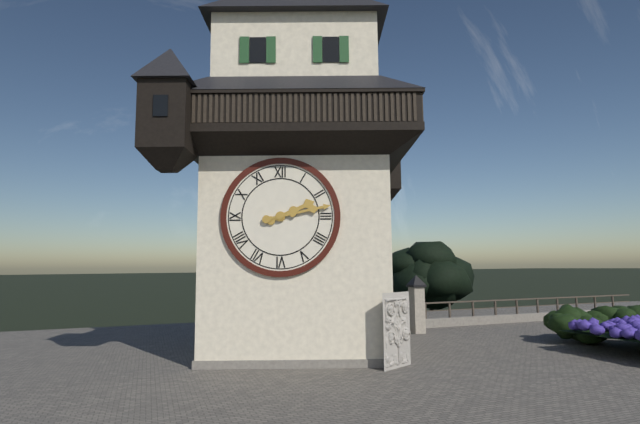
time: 2:13
